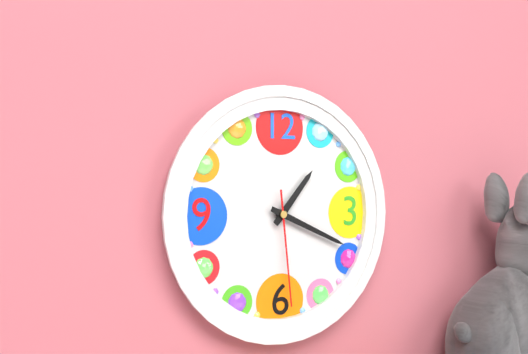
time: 1:19:29
